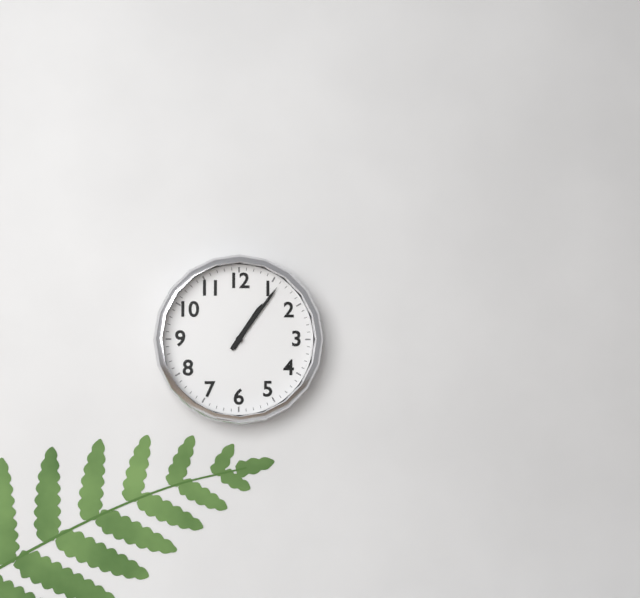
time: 1:06
